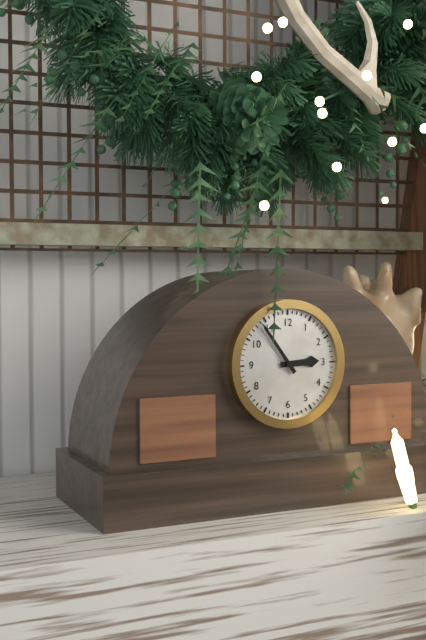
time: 2:54
